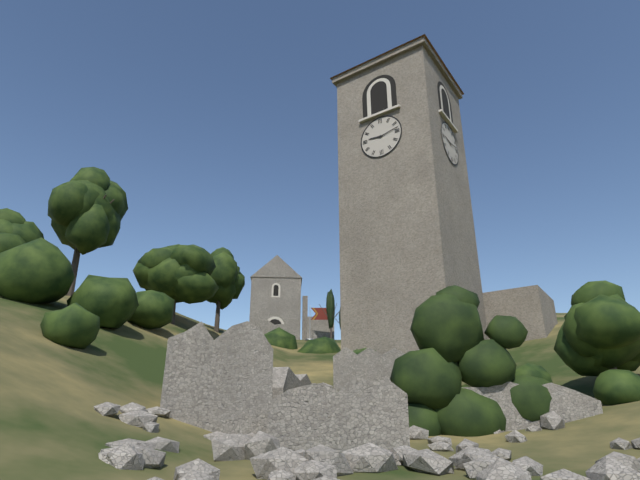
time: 9:13
